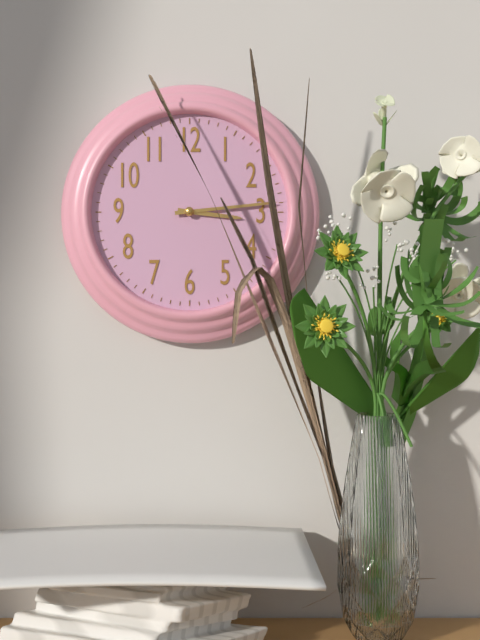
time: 3:14
